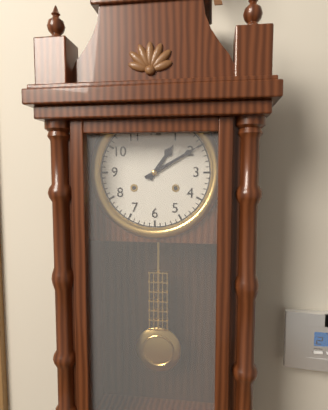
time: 1:10
